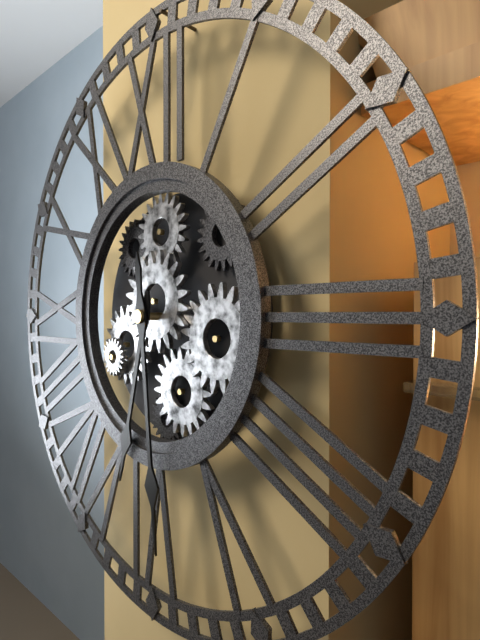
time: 6:29
